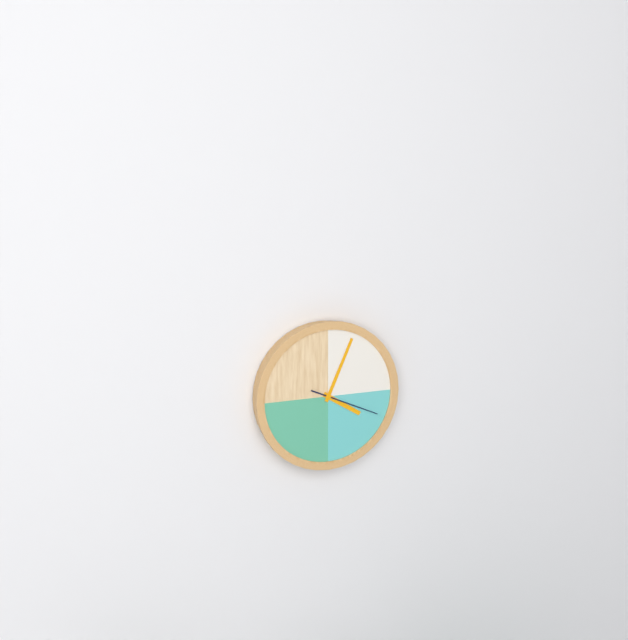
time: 4:04:19
